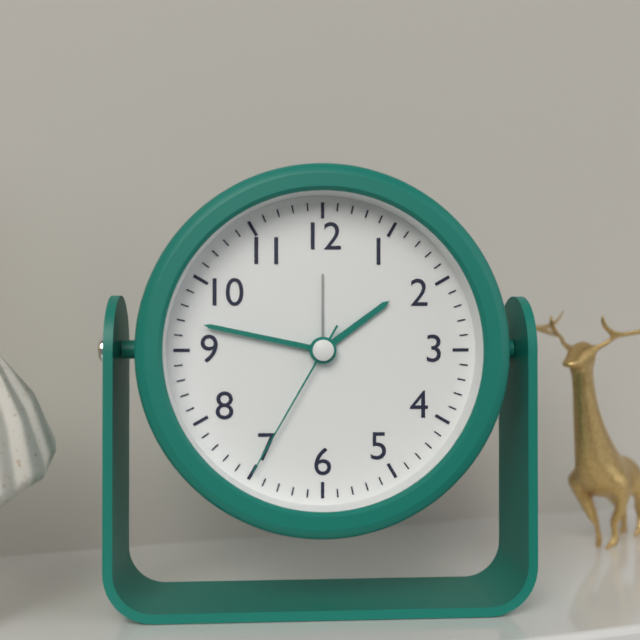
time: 1:47:35
